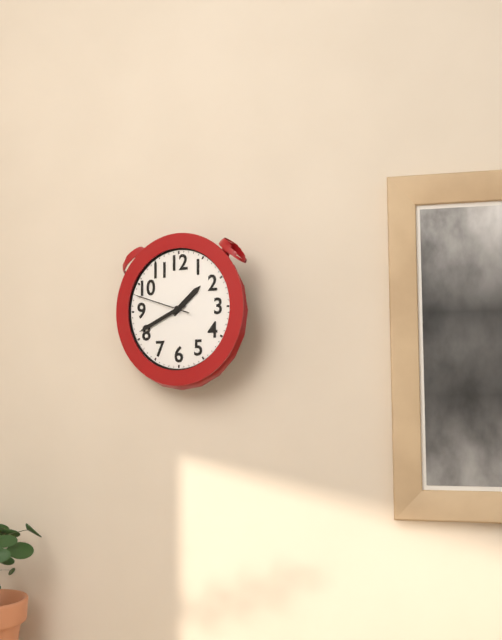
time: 1:41:48
